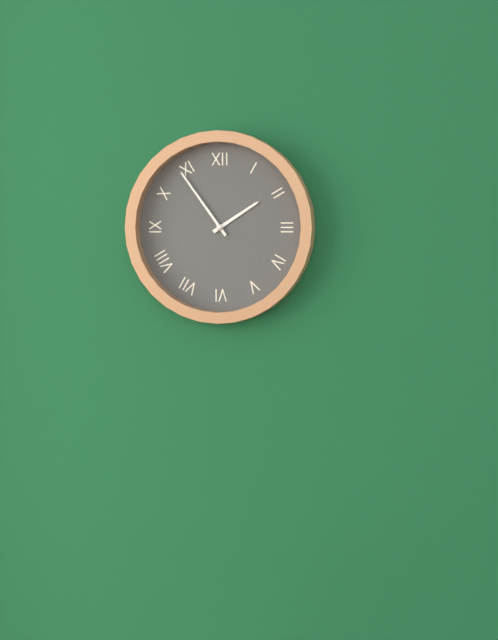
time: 1:54
